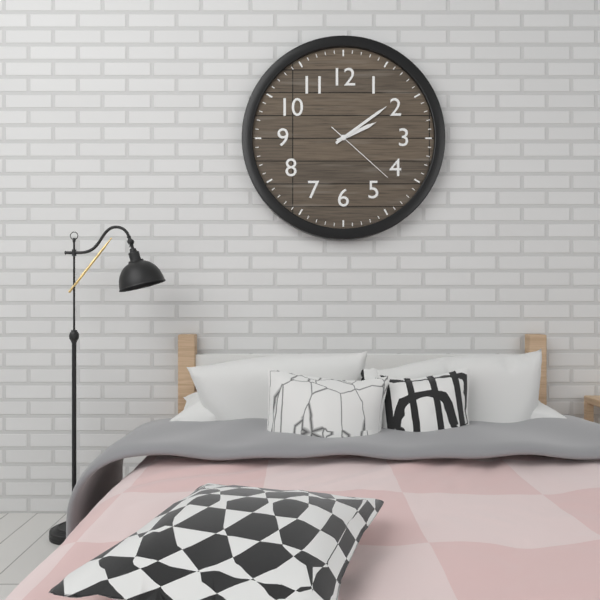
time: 2:09:22
